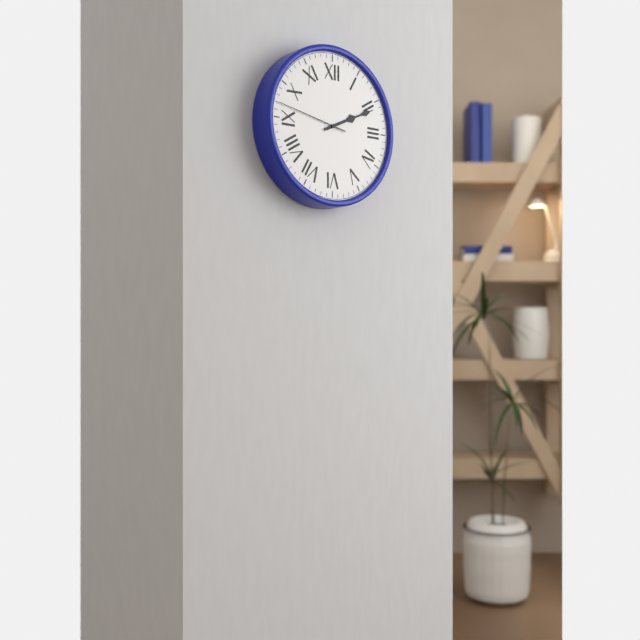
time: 2:11:47
